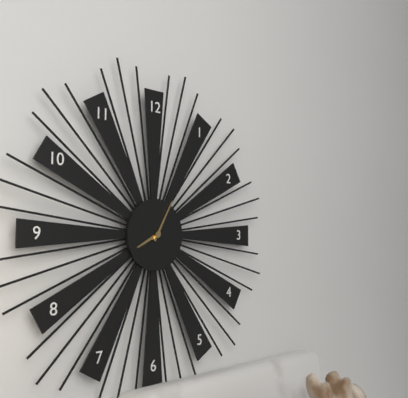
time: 8:05
